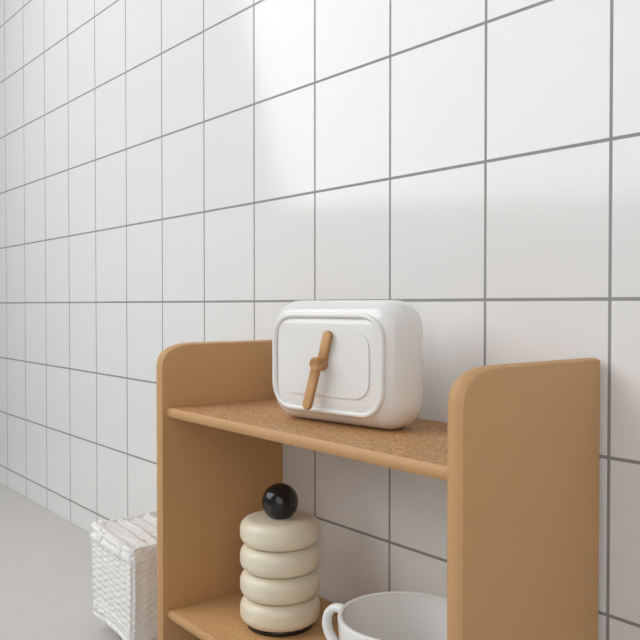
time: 12:33
